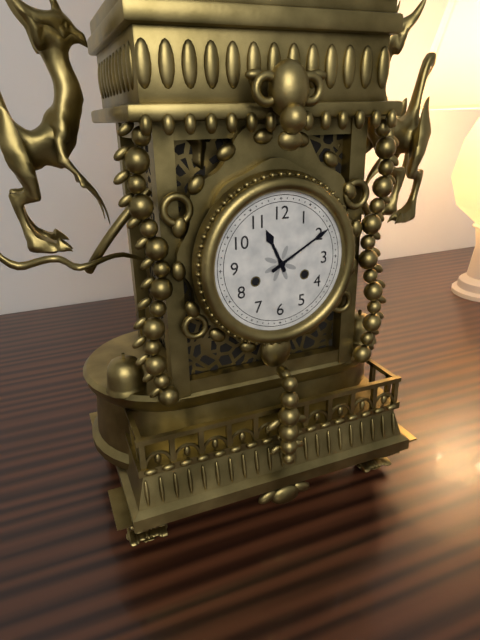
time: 11:10
